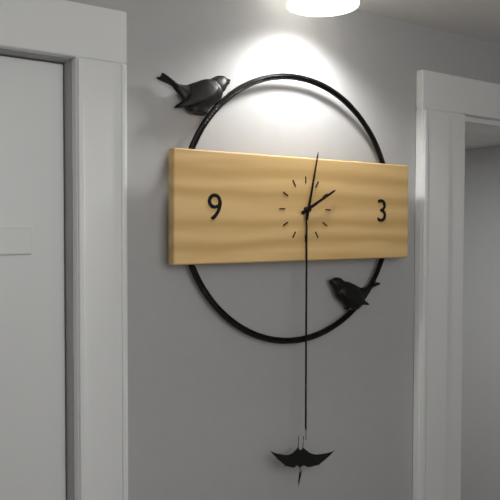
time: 2:02
